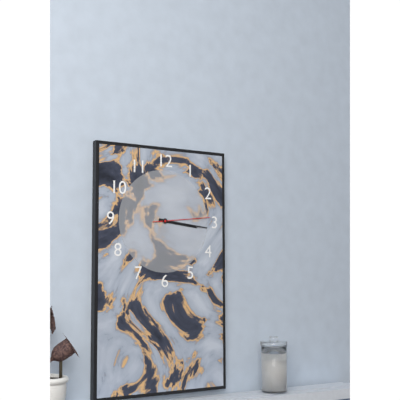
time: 3:16:14
